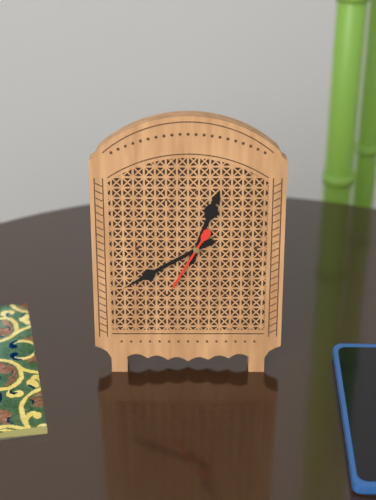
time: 12:40:35
